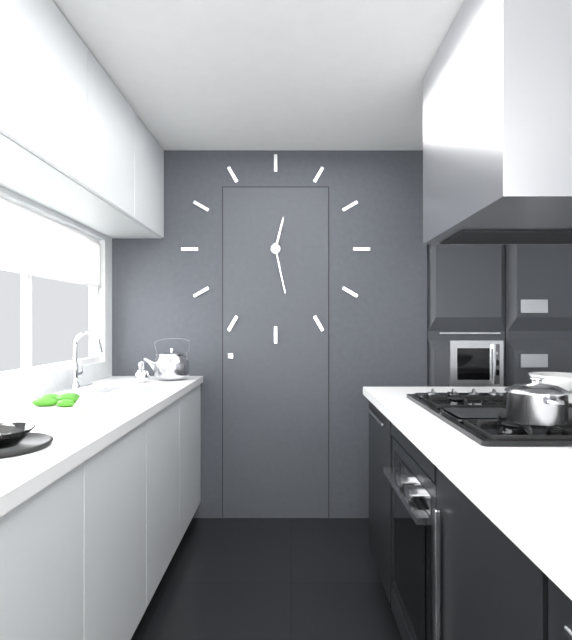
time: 12:28
